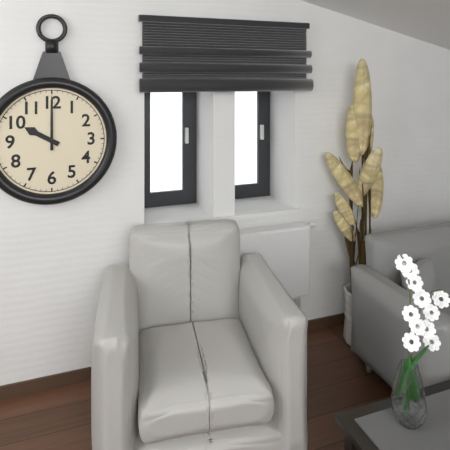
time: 10:00
